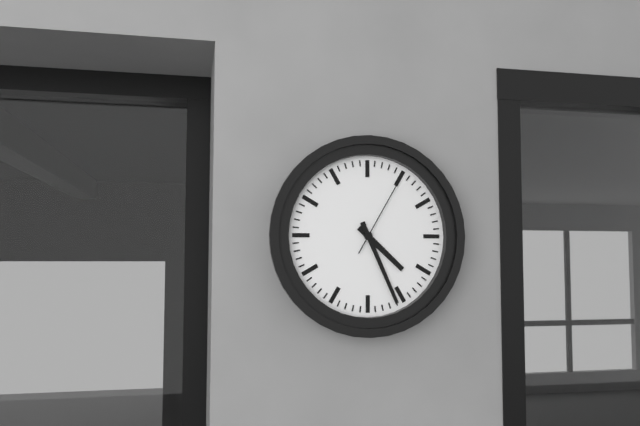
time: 4:26:05
